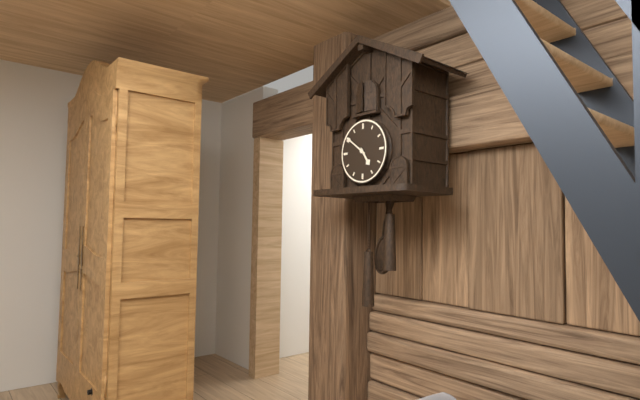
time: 4:51
